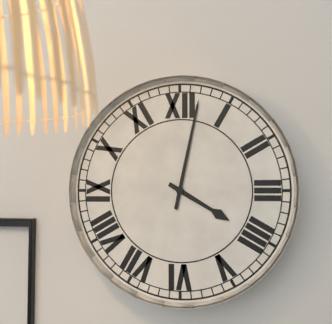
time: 4:02
